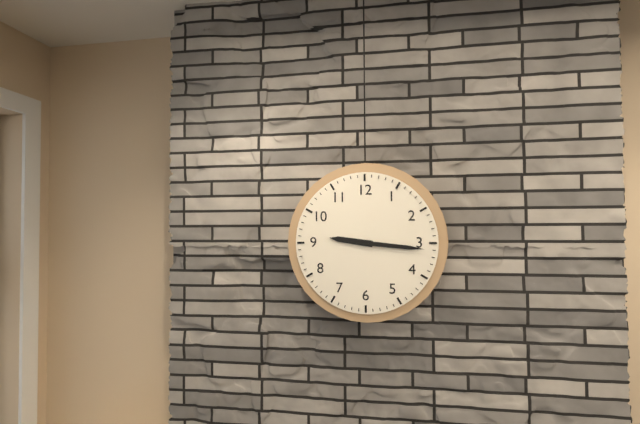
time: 9:16
